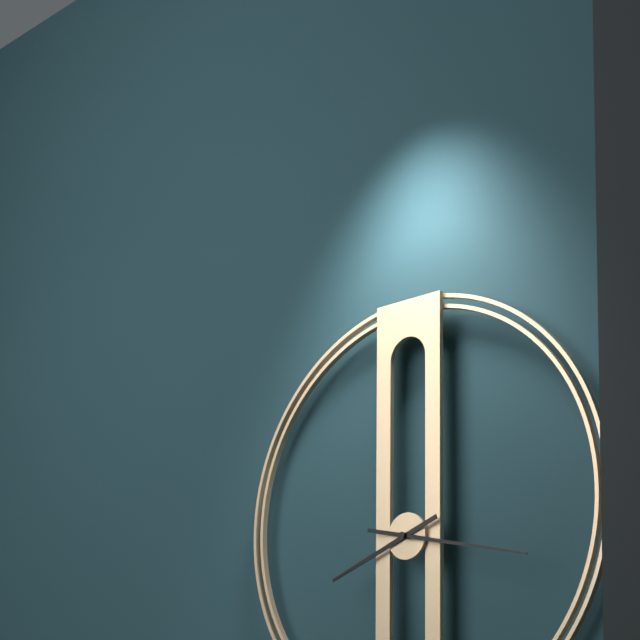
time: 8:17
